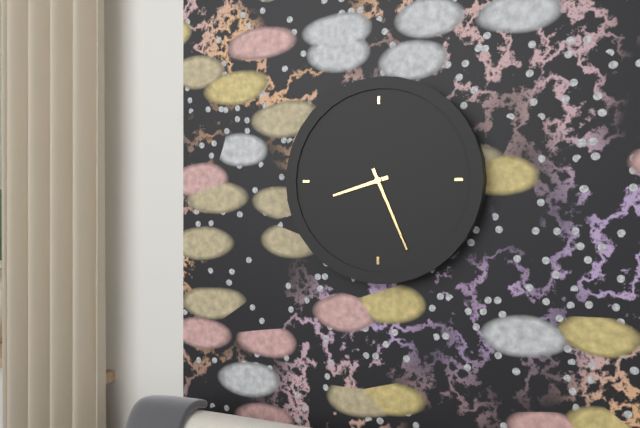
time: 8:26
